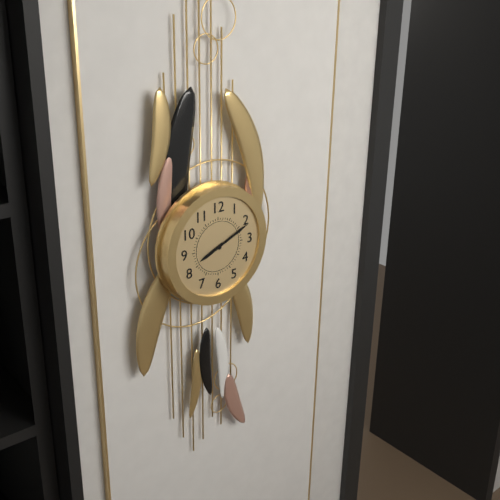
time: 8:11
